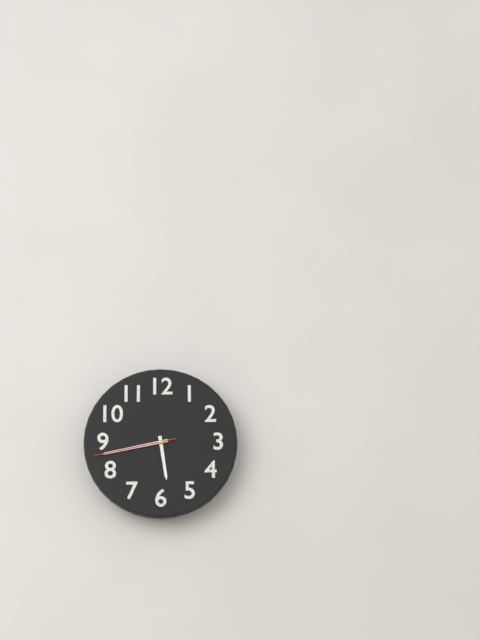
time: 5:43:43
